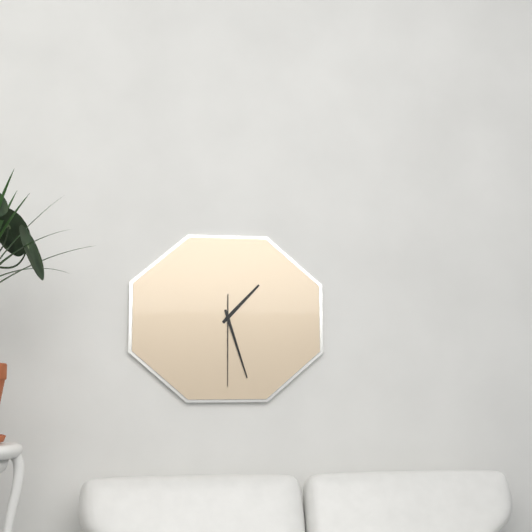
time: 1:27:30
